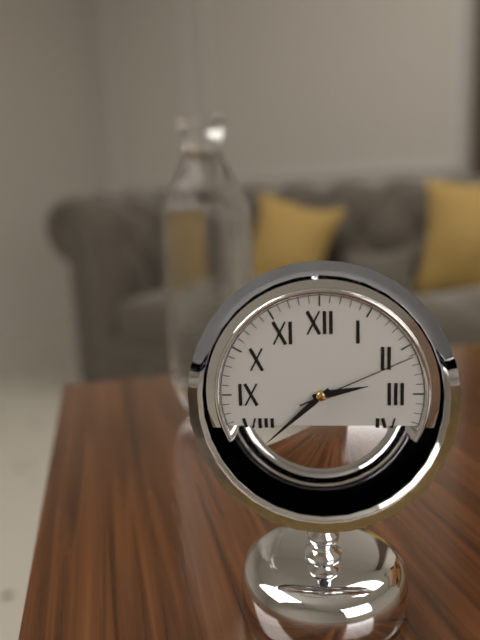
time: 2:38:11
